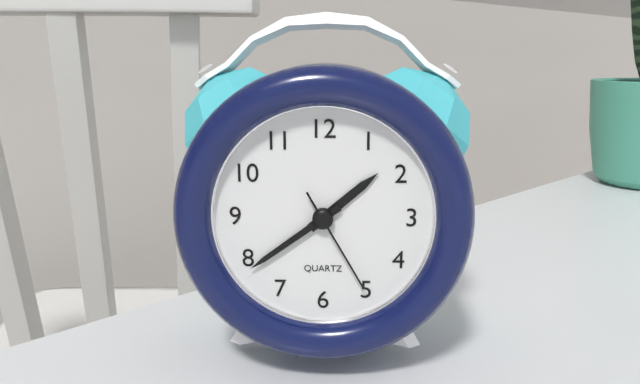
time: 1:39:25
